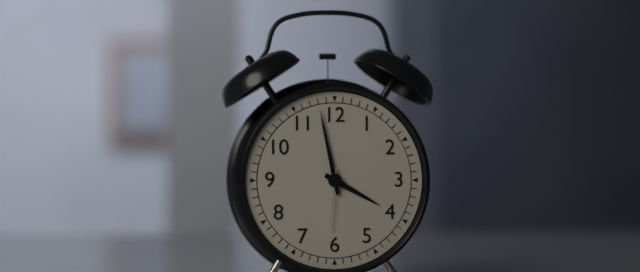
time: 3:58:31
